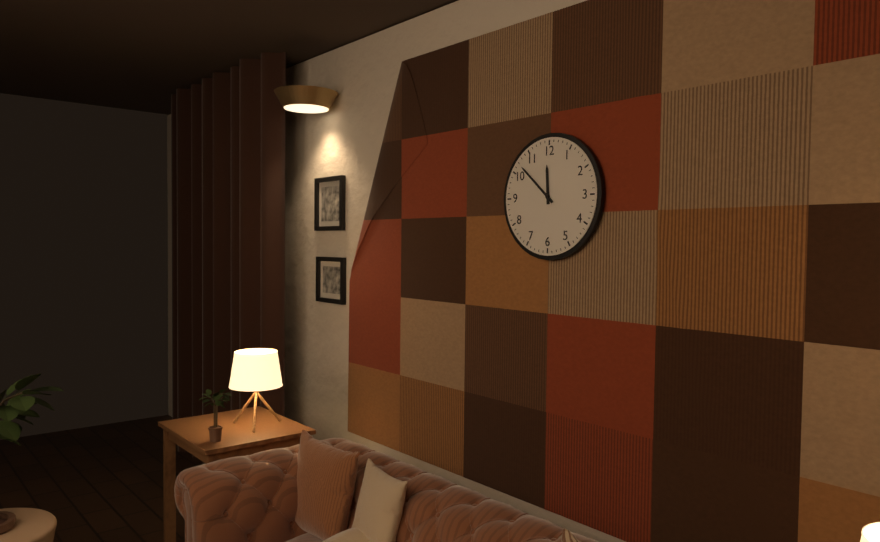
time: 11:52
